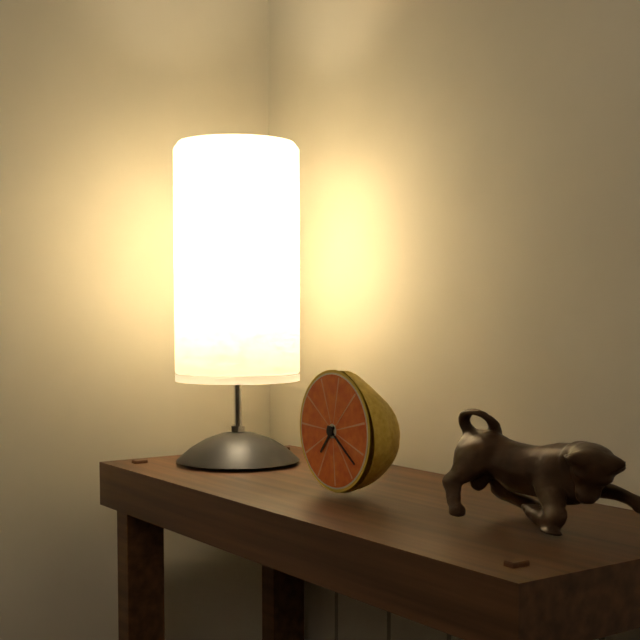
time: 7:21
